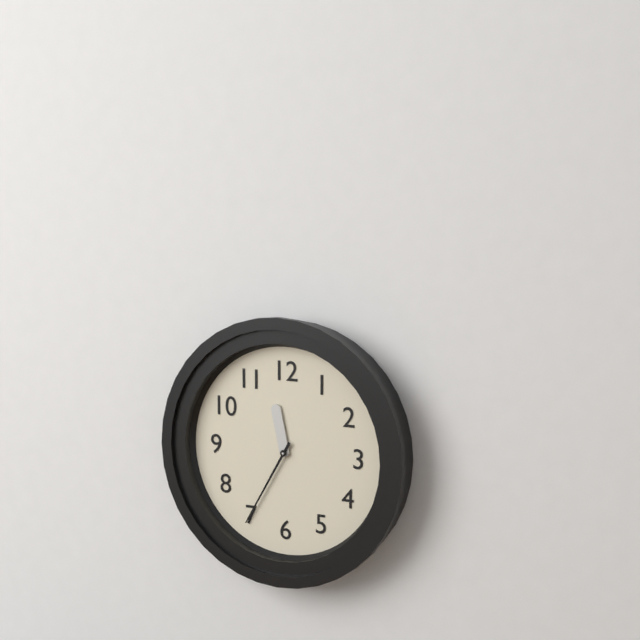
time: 11:35
